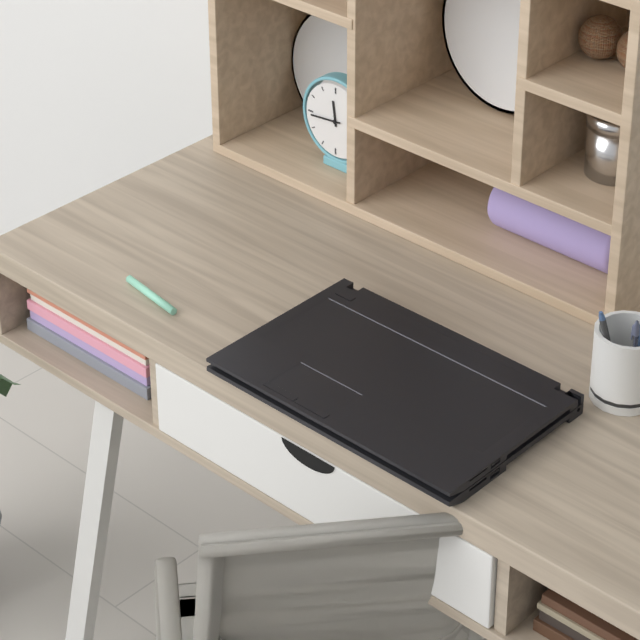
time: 11:44
